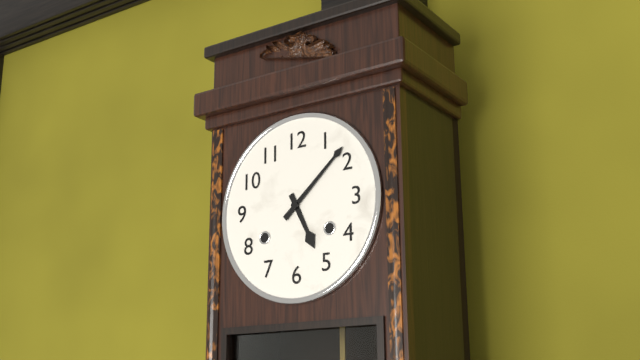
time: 5:08
